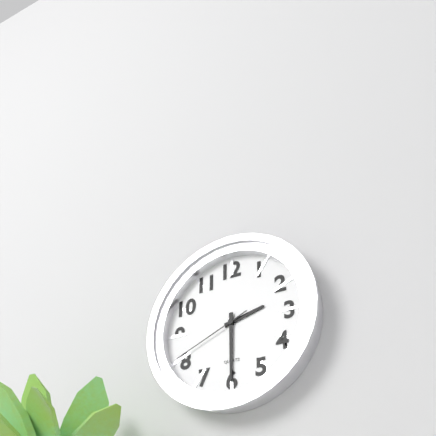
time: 2:30:41
